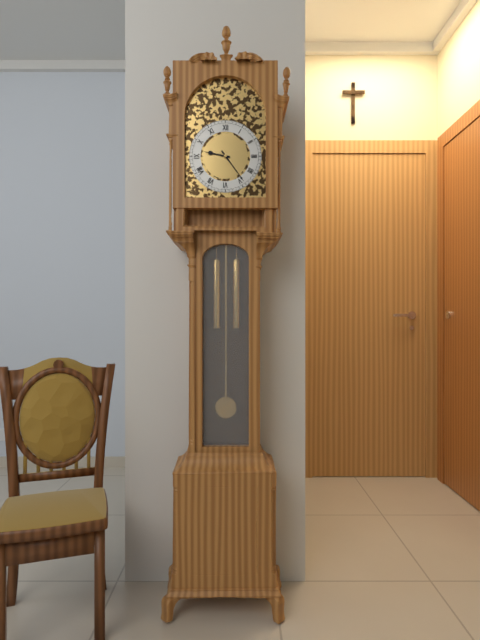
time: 9:24
